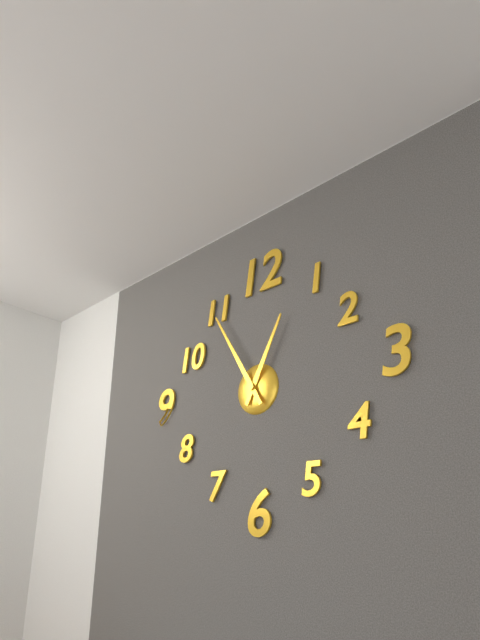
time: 12:55
